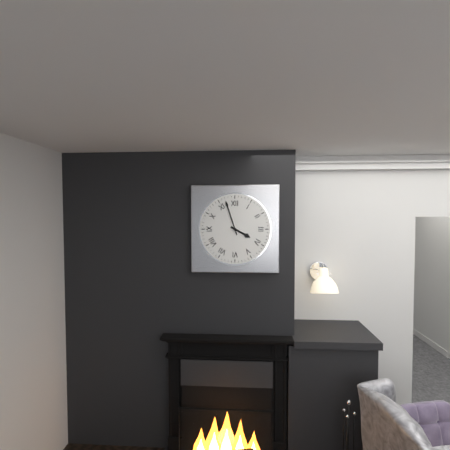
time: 3:57
